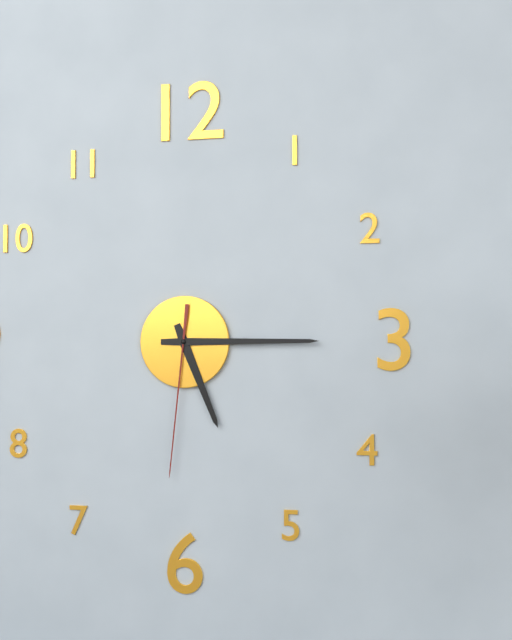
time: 5:15:31
